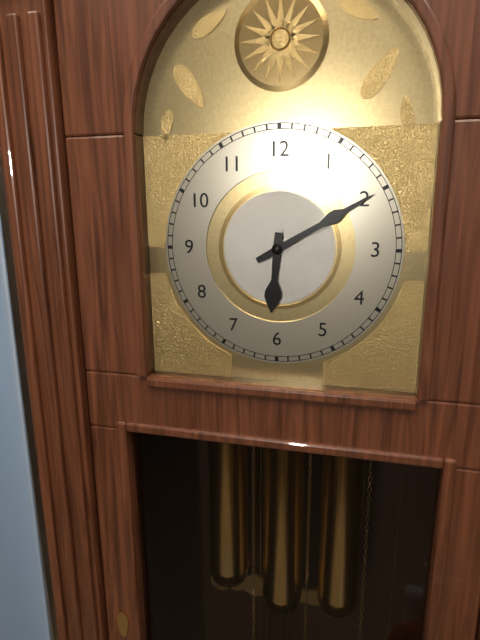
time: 6:10
